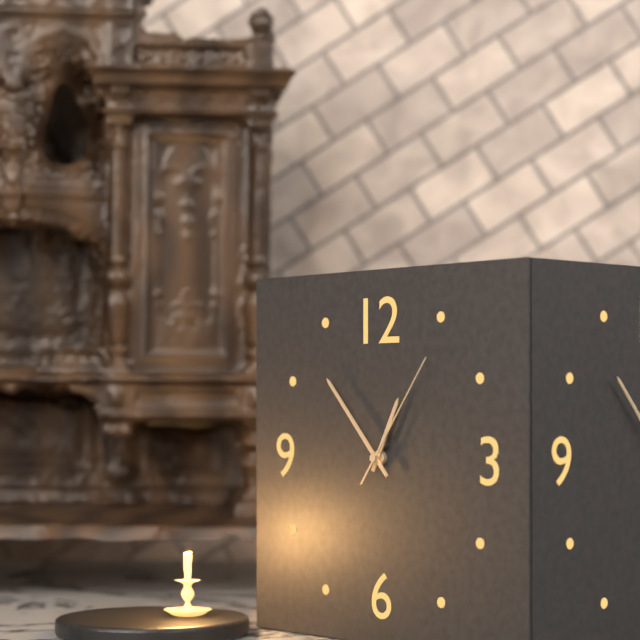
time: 12:53:06
